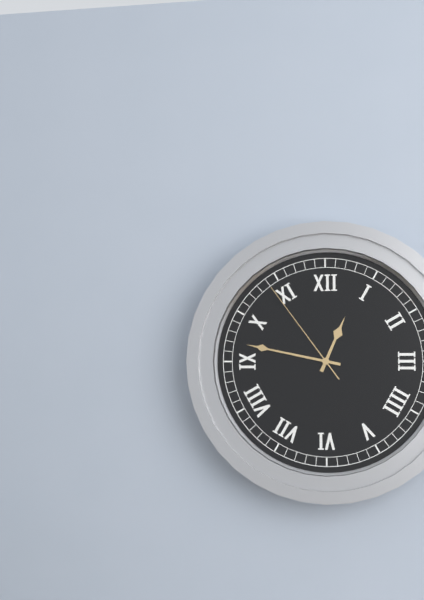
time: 12:47:54
